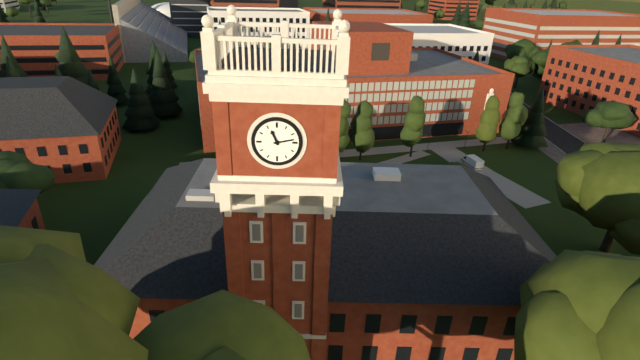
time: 11:13
